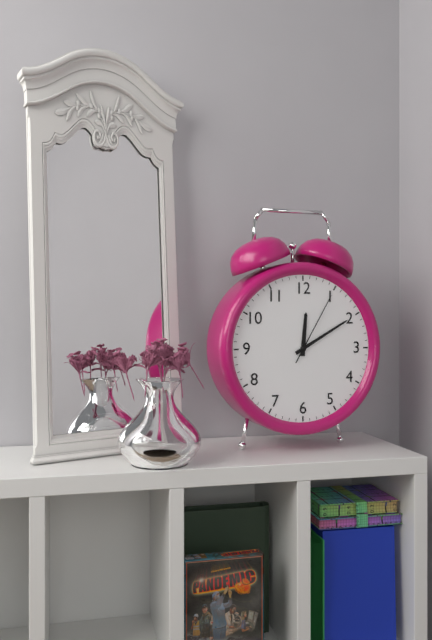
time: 12:10:05
